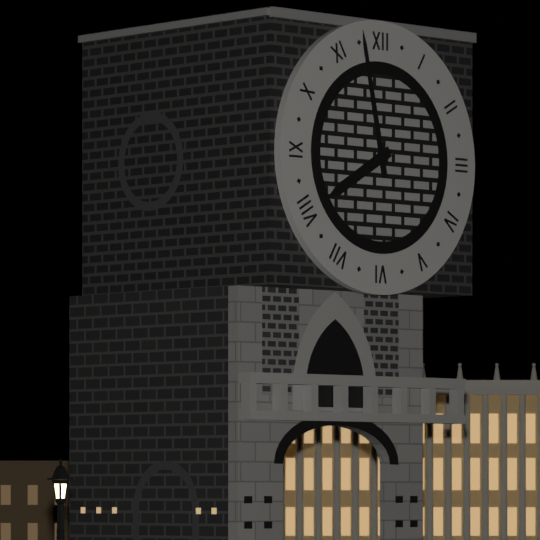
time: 7:58
